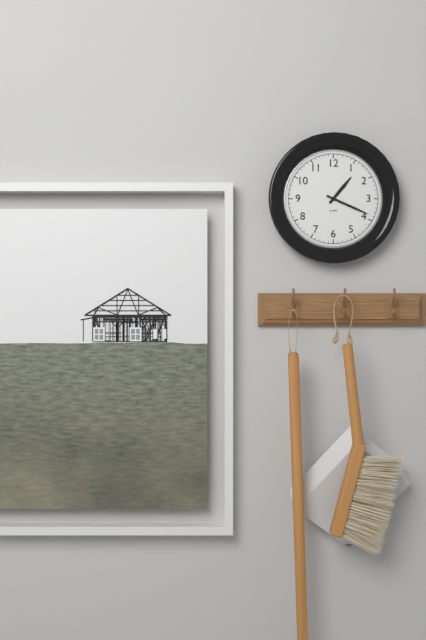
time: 1:19
